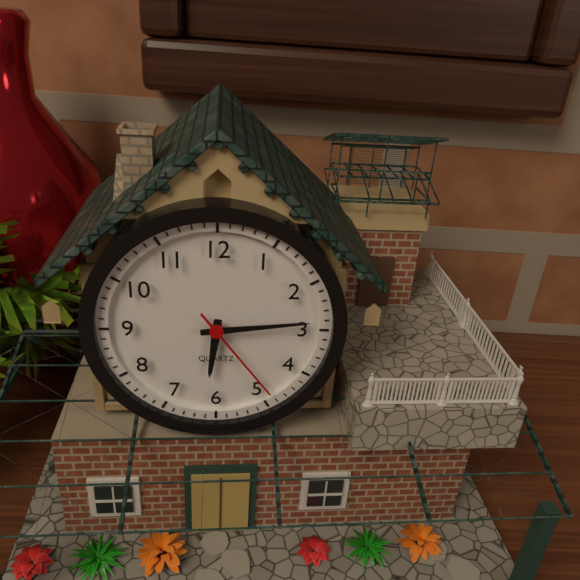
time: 6:14:24
